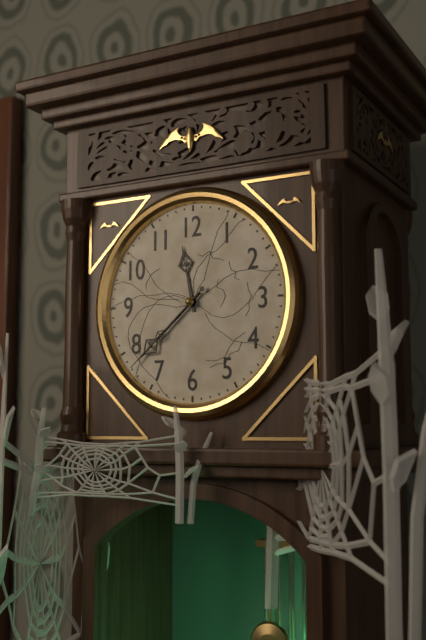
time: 11:38:38
